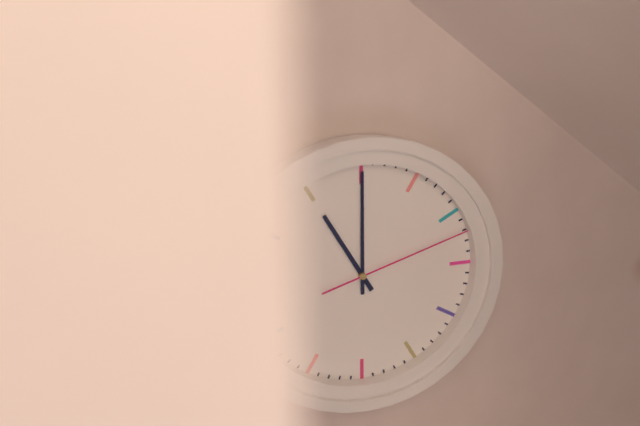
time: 11:00:12
